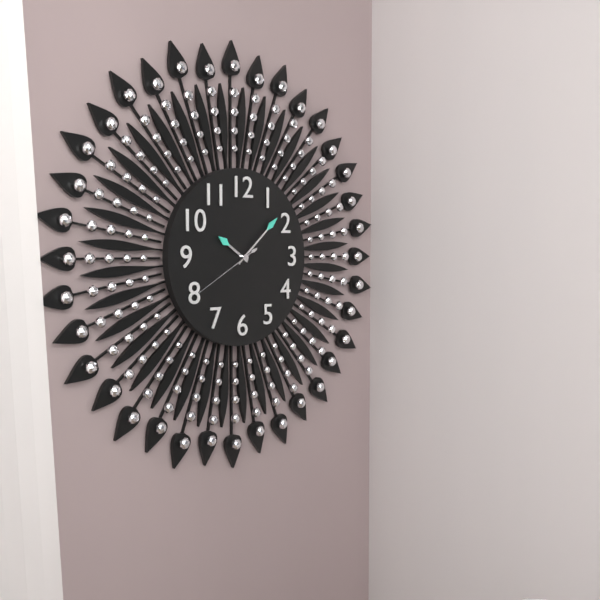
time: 10:08:40
